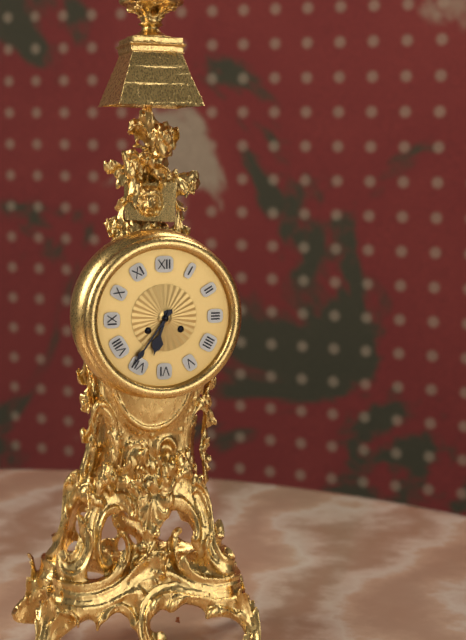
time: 6:36
